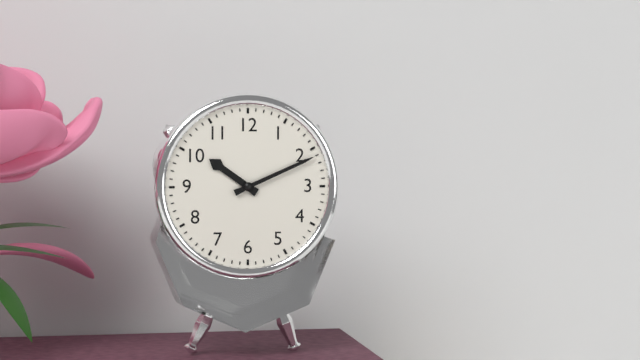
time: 10:11
